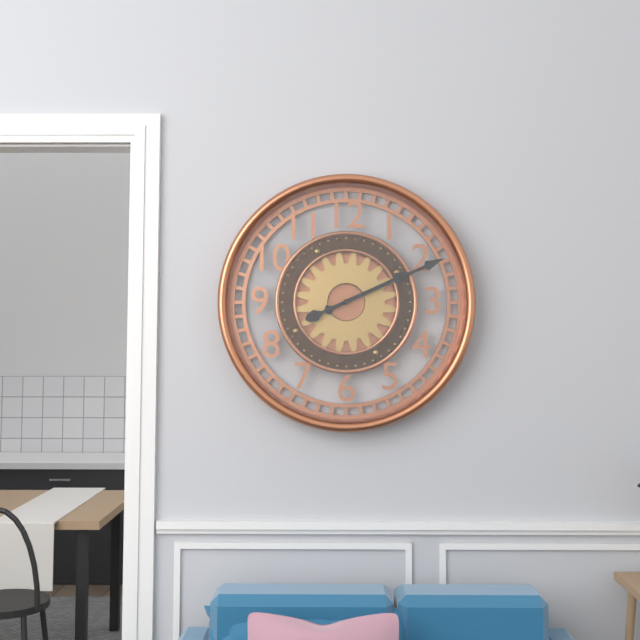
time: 2:11
